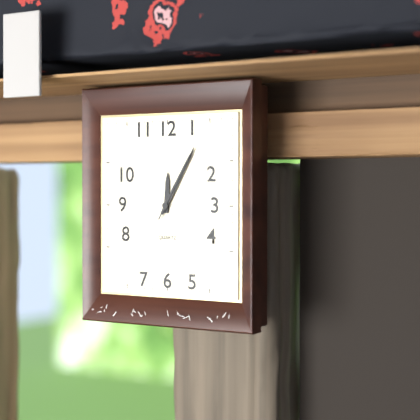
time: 12:05:05
